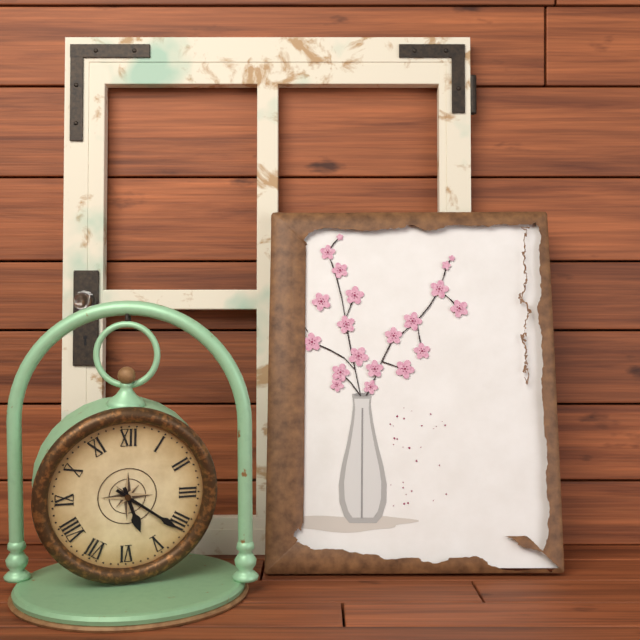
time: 5:21
